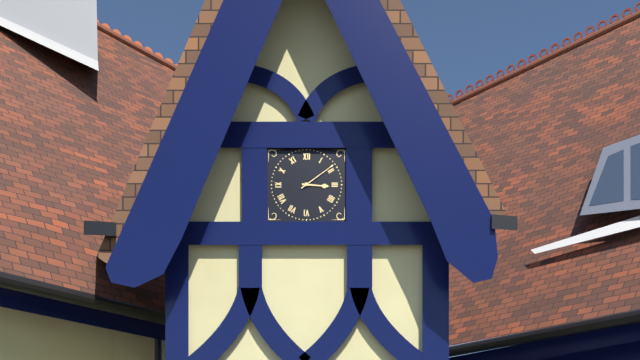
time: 3:09
